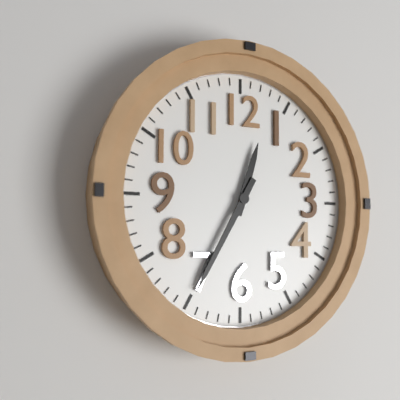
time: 12:35
